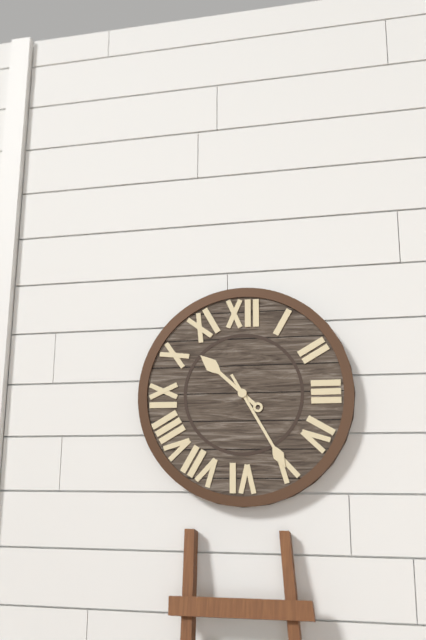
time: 10:25
